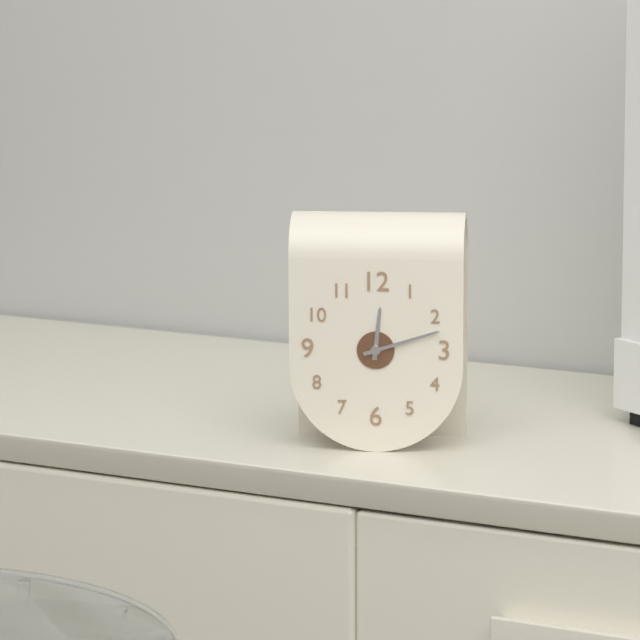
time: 12:12
